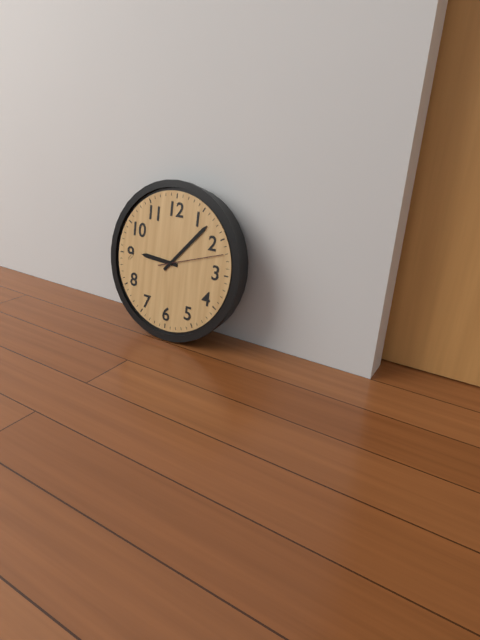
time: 9:07:12
